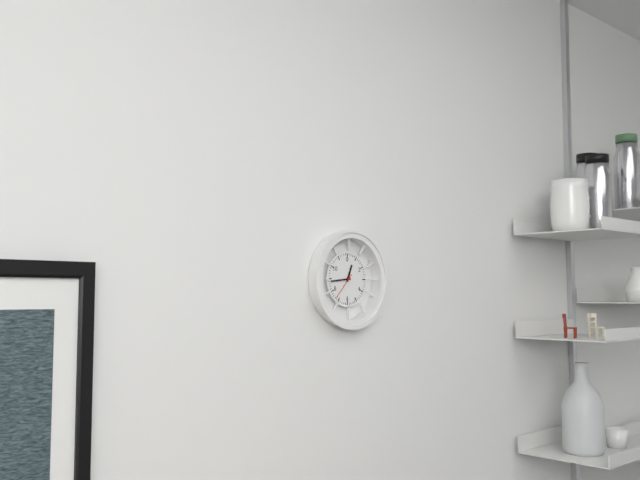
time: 12:44
